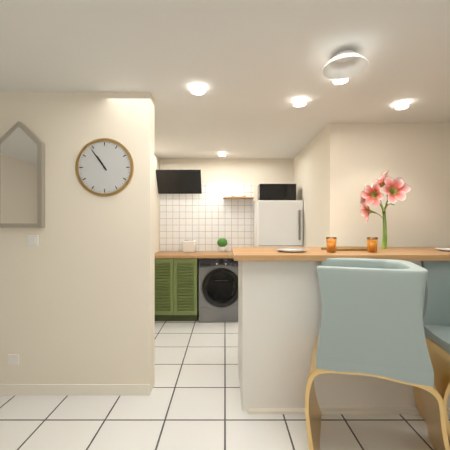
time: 10:54
